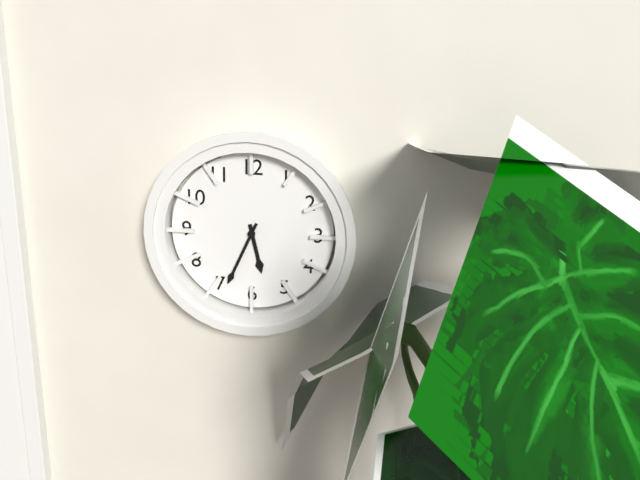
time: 5:34
